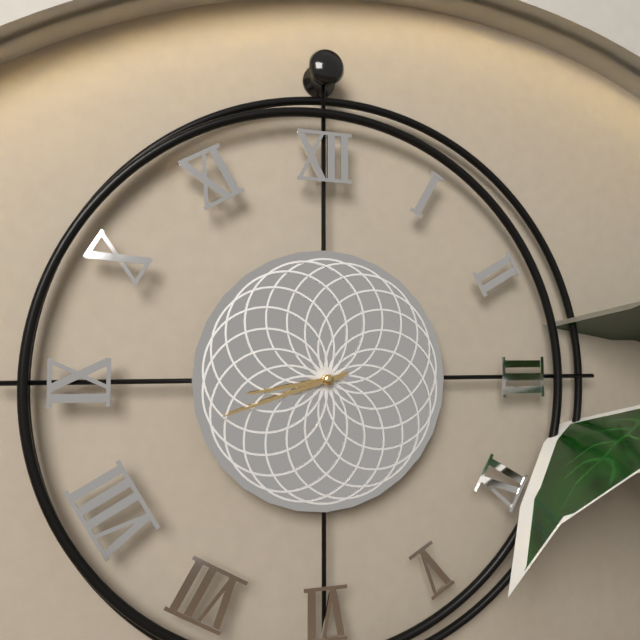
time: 8:42
